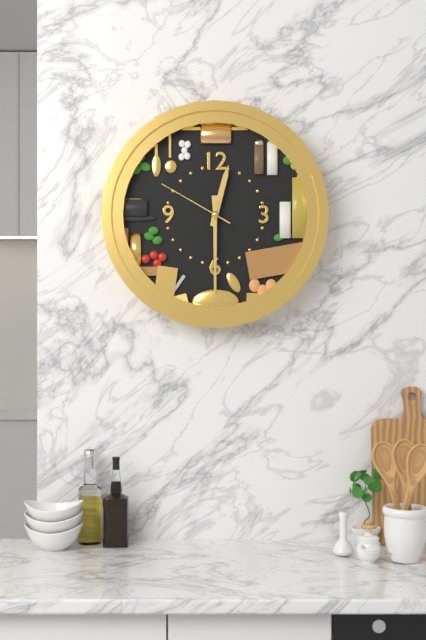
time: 12:30:50
